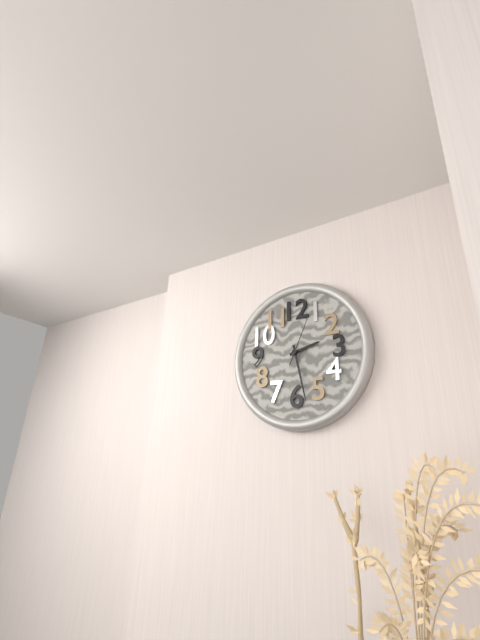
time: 2:28
